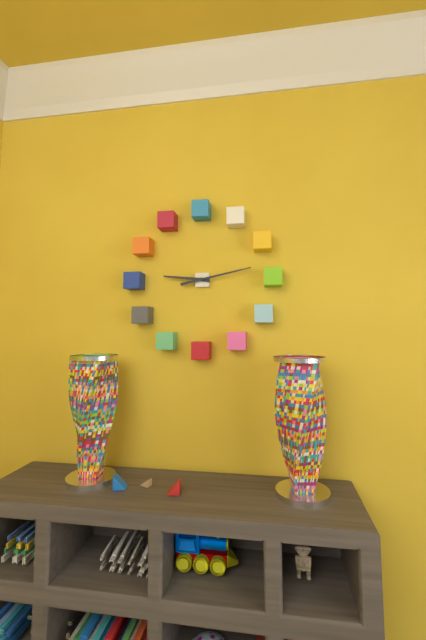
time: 9:13
